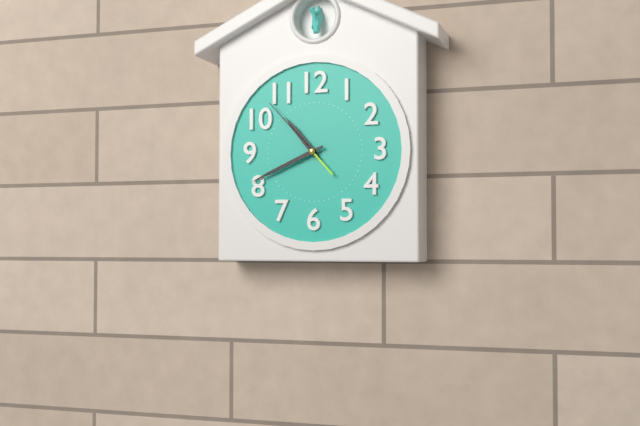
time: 10:41:53
